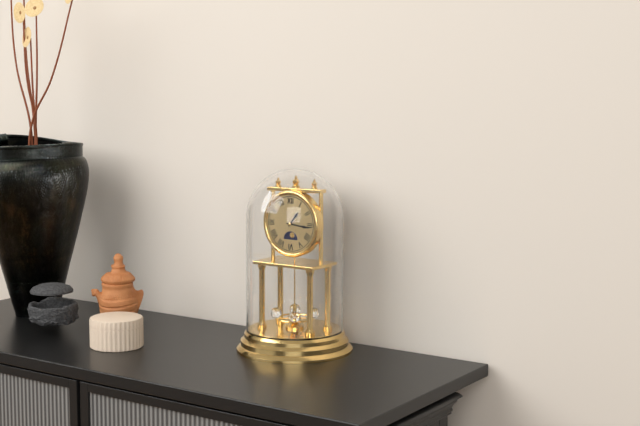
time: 1:16
